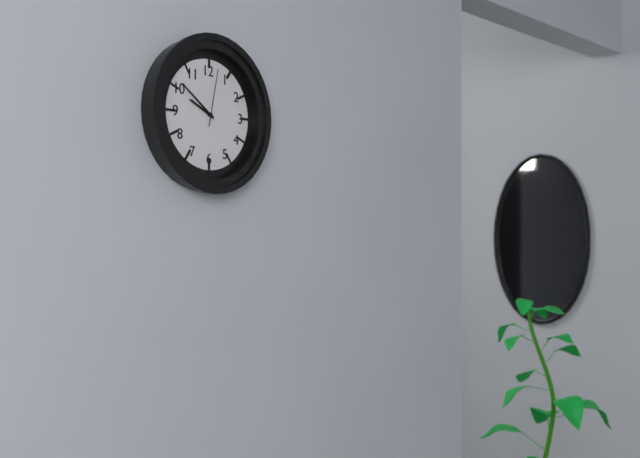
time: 9:51:02
